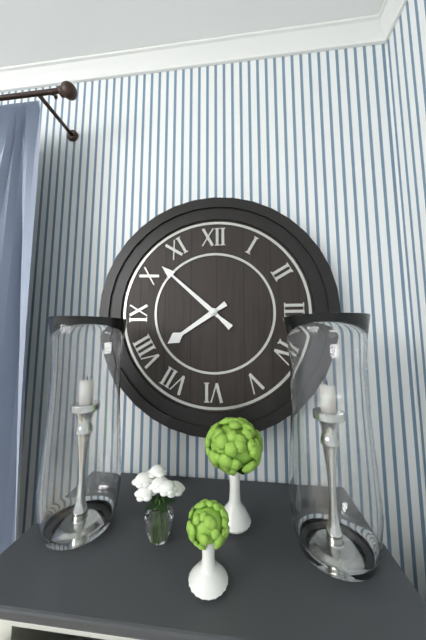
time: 7:52
